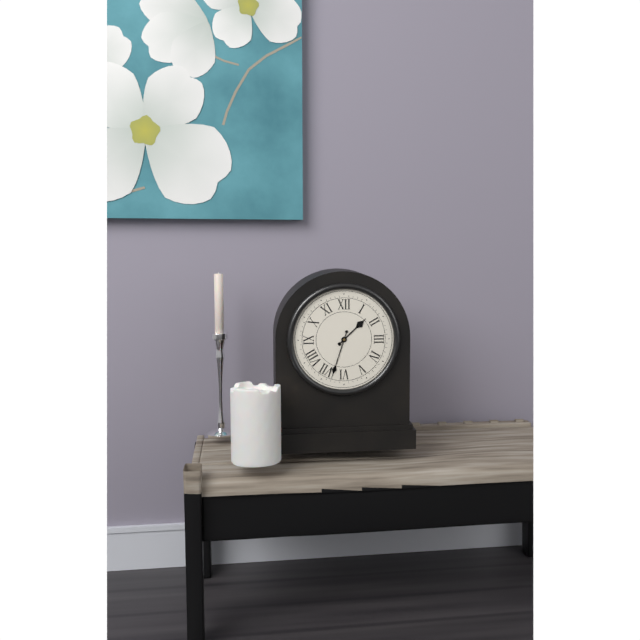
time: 1:33
